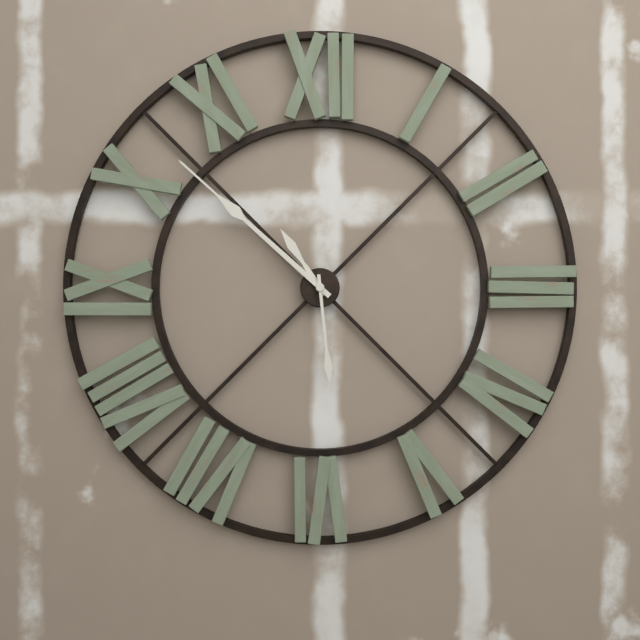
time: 10:52:29
